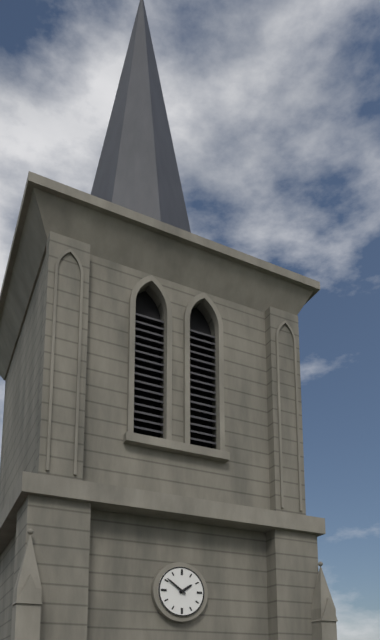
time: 1:51
